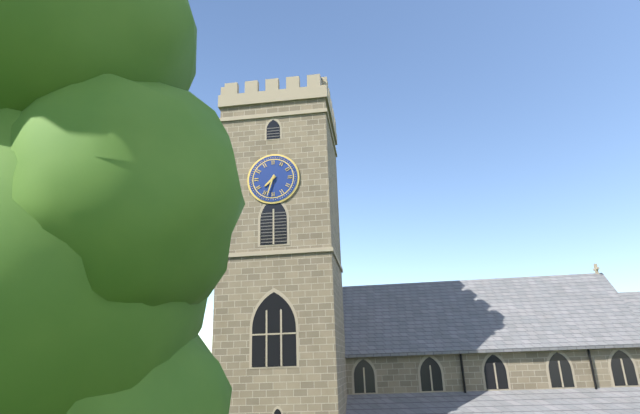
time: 7:33
